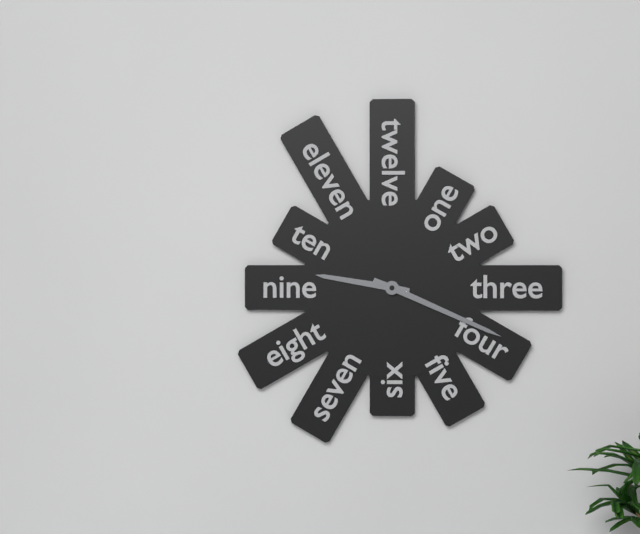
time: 9:19
